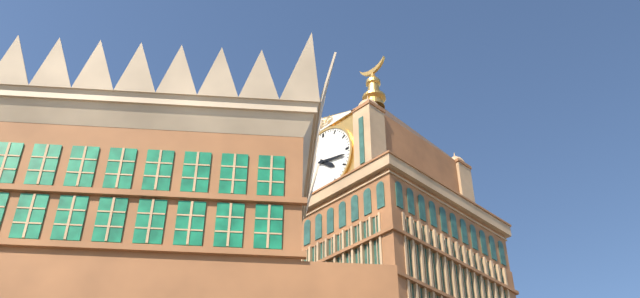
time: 4:17
